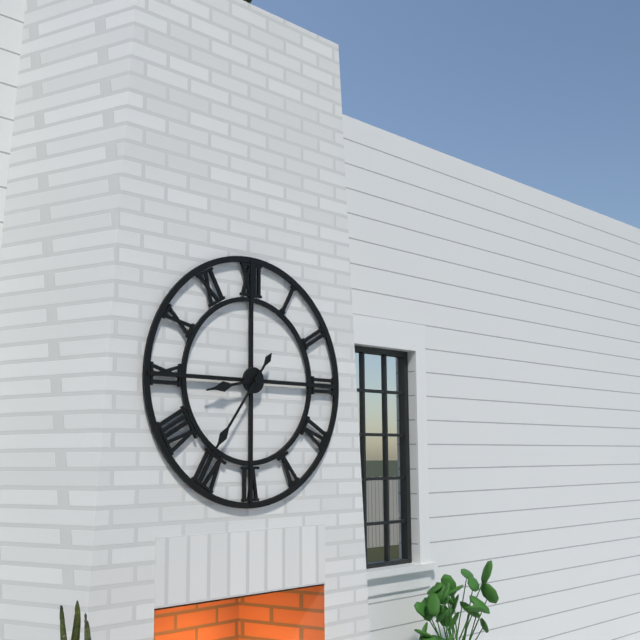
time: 8:36
